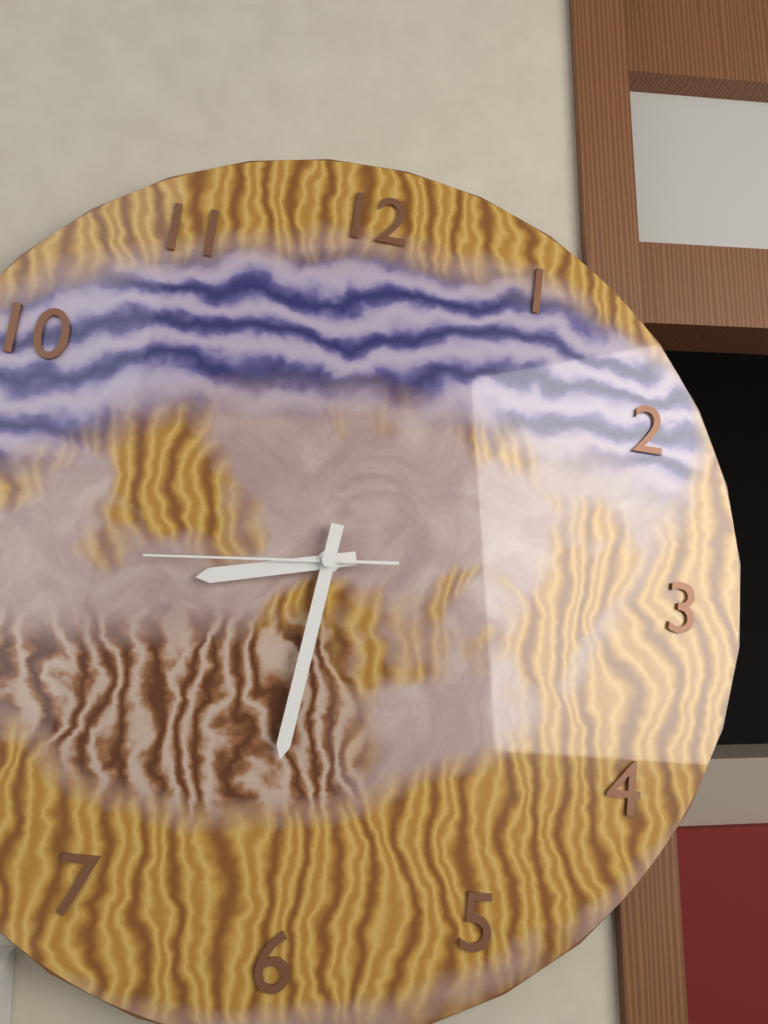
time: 8:31:44
